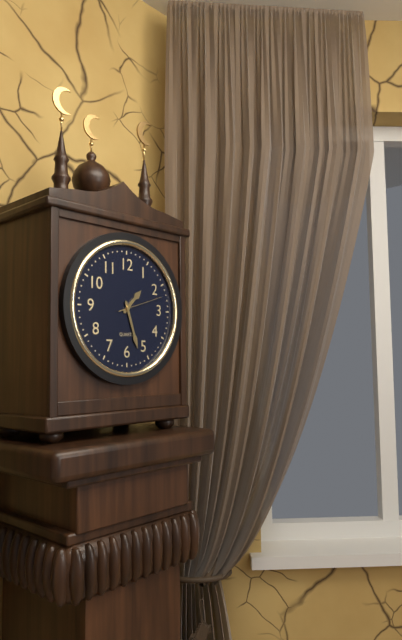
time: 1:27
